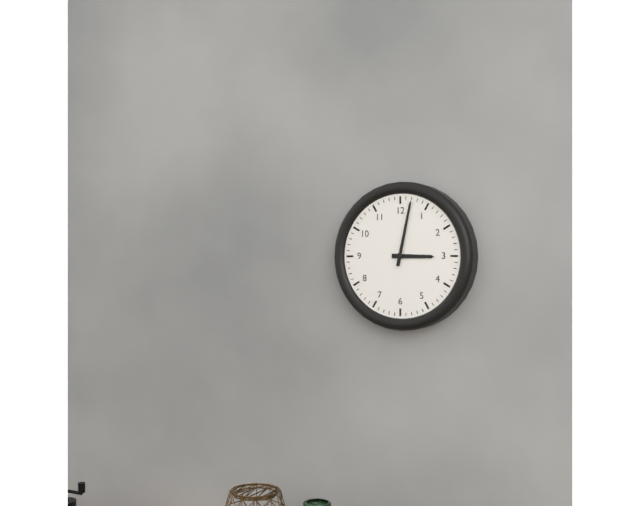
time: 3:02
